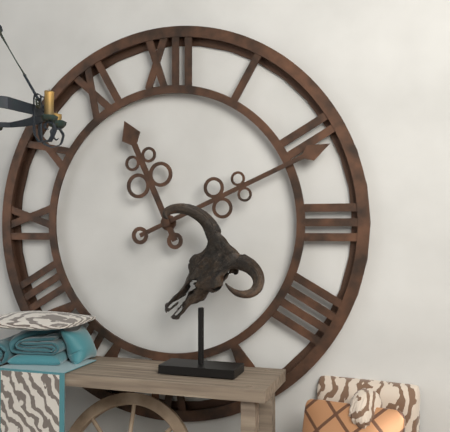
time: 11:11
